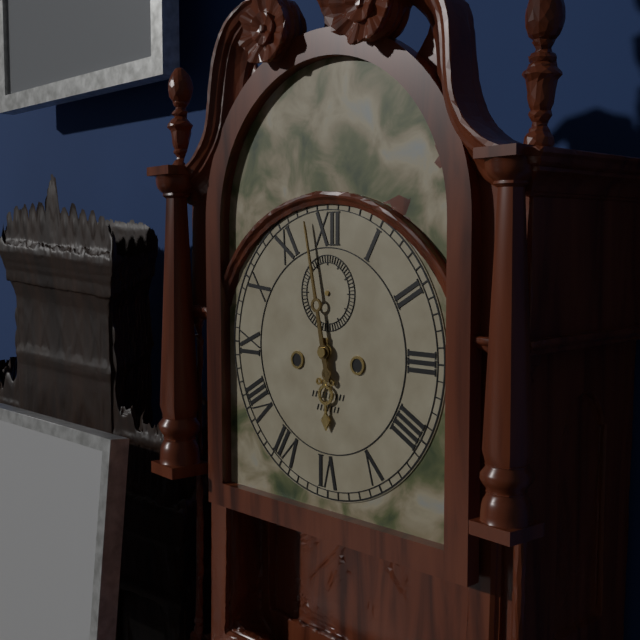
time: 5:58
